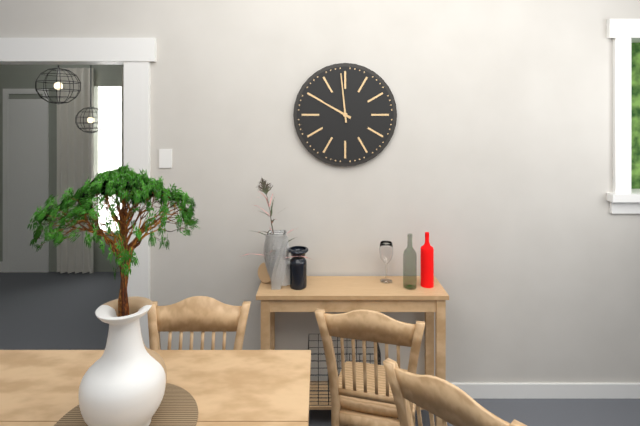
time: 9:59
